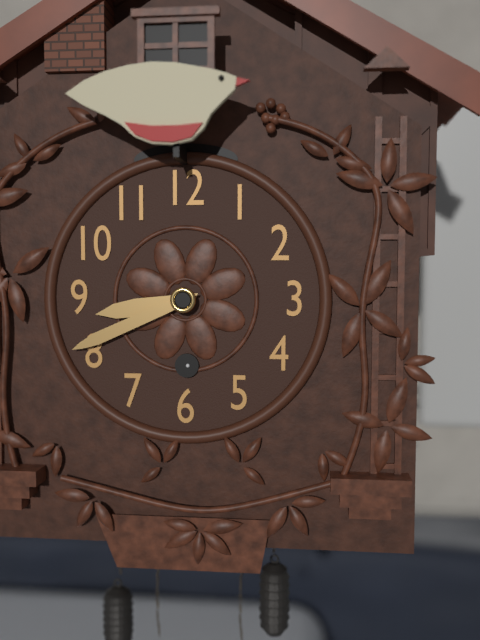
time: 8:41
